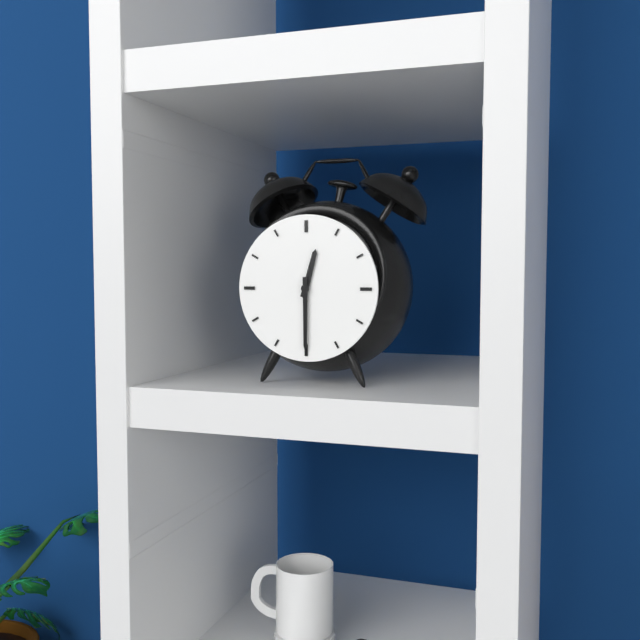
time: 12:30
